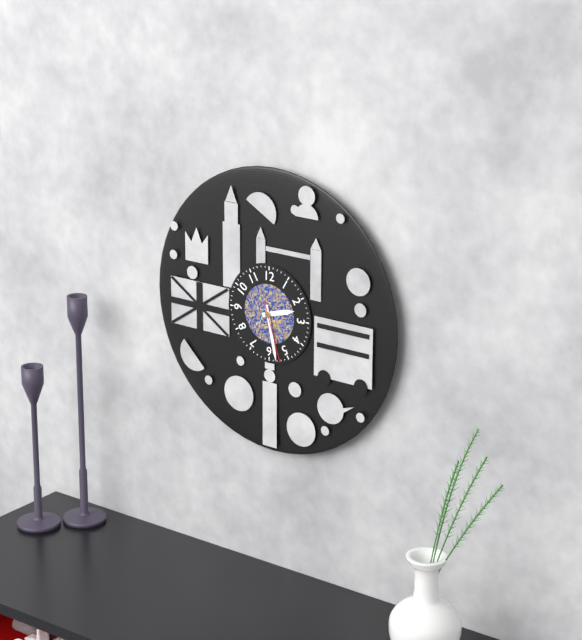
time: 2:28:27
